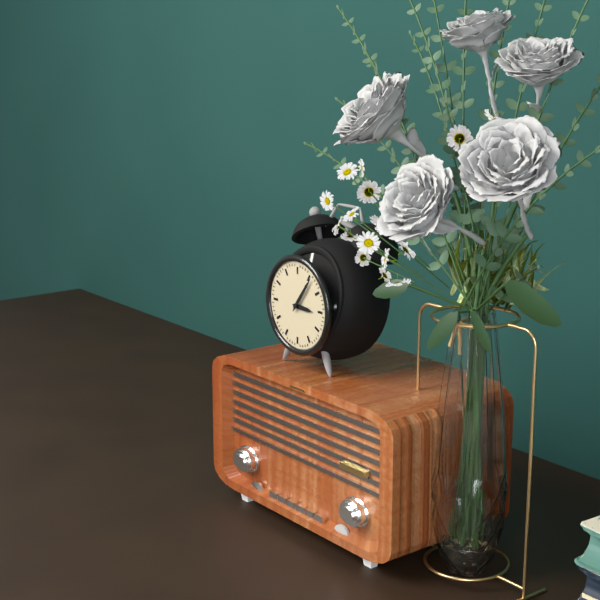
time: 3:06
